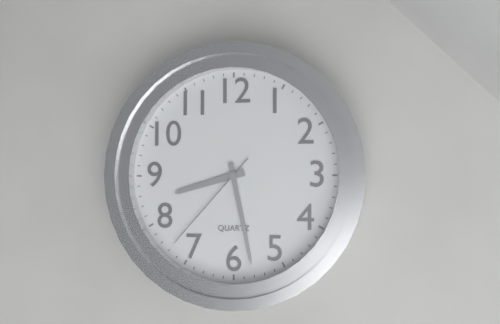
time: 8:28:37
